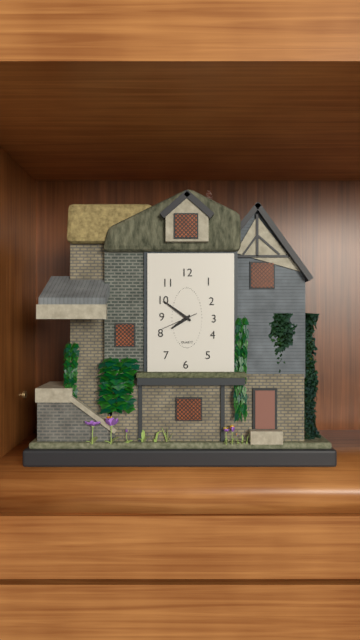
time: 7:51
